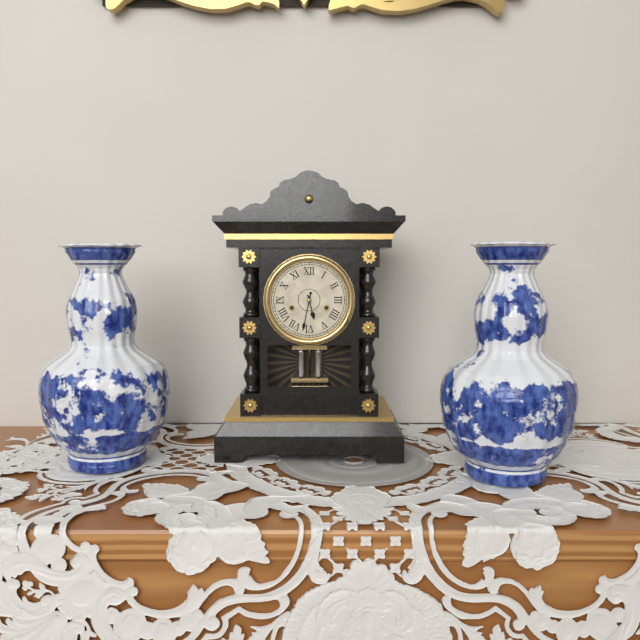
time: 5:32
